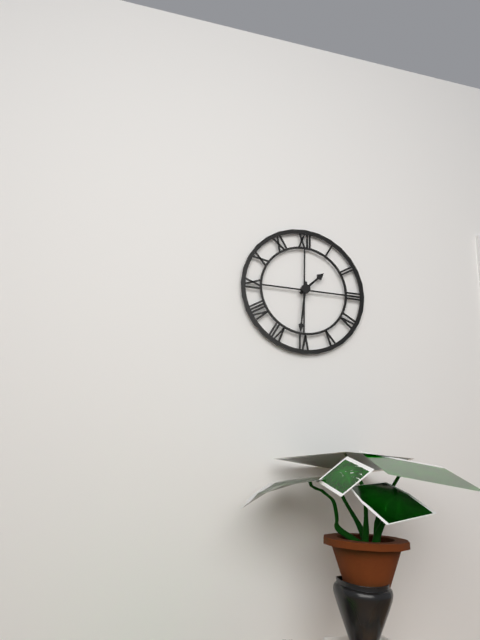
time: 1:31
